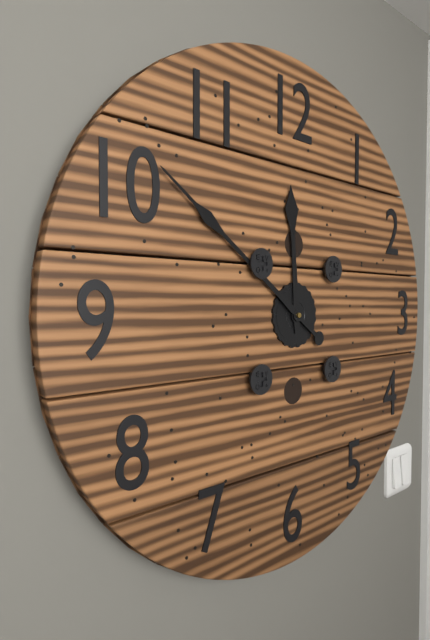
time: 11:51
